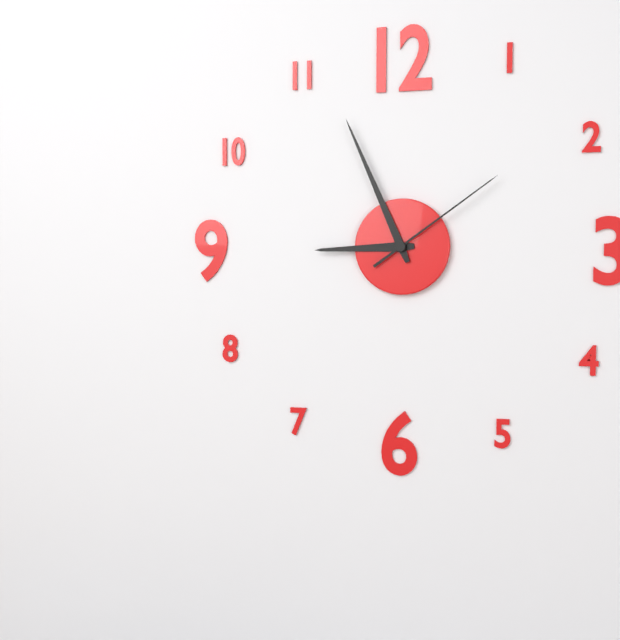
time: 8:56:09
